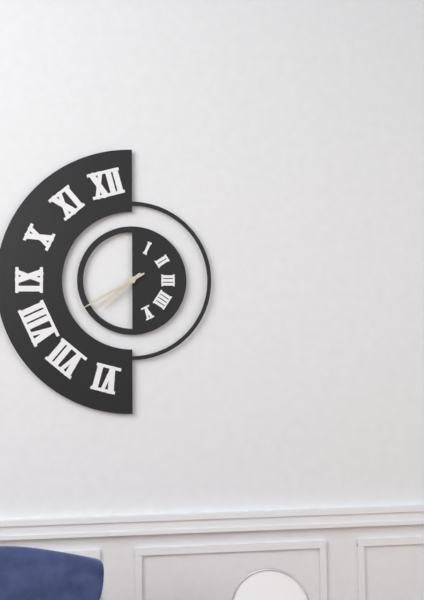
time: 7:40
